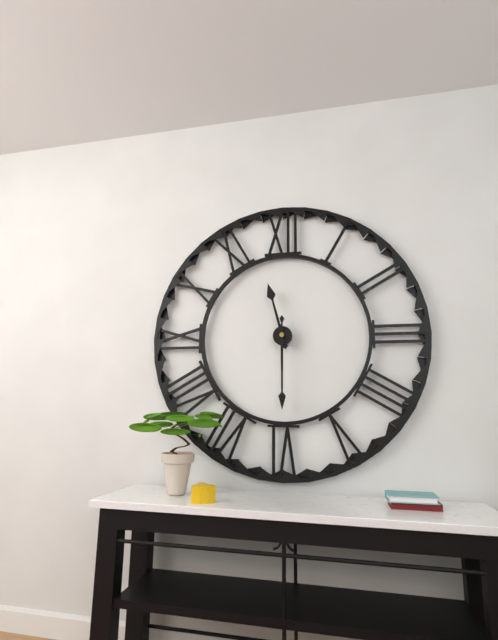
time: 11:30
